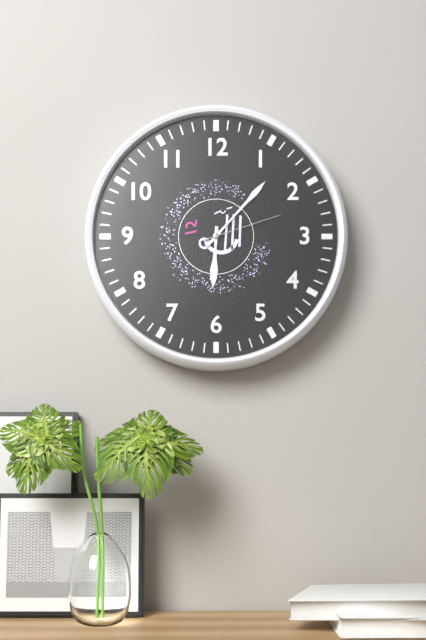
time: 6:07:12
